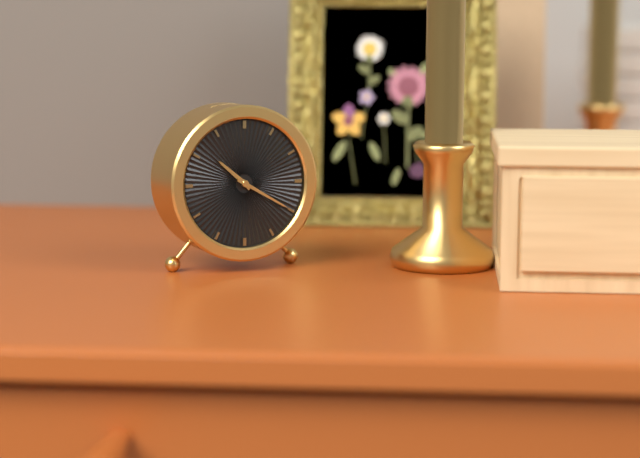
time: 10:20
